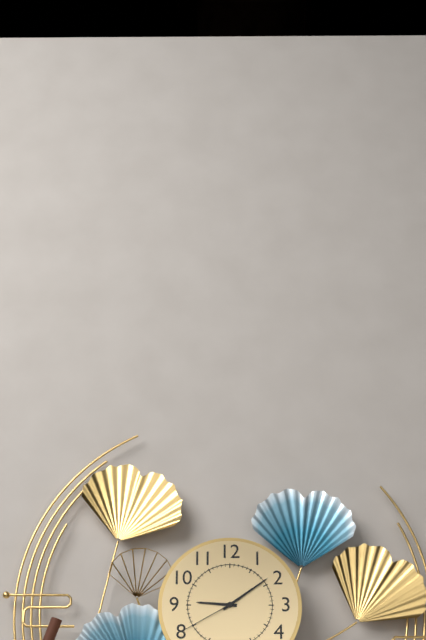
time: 9:09:40
